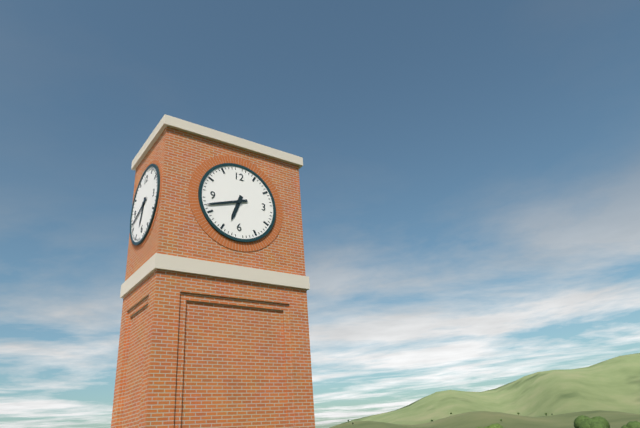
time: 6:42
